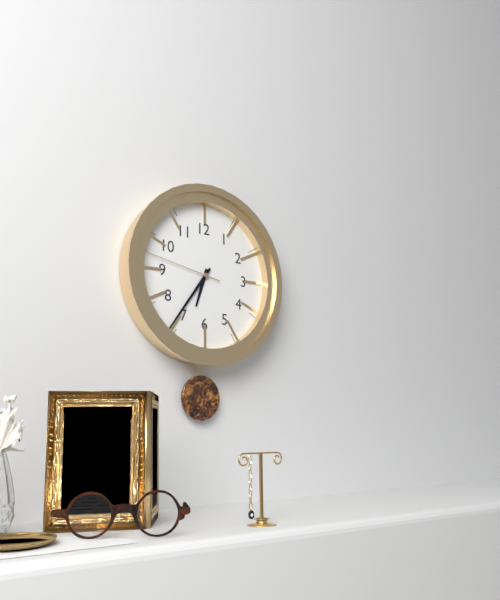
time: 6:36:47
